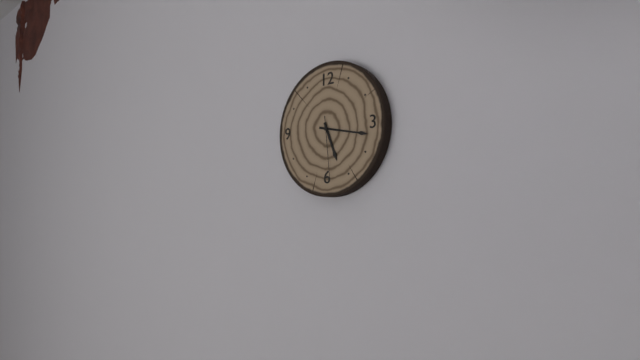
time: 5:17:29
